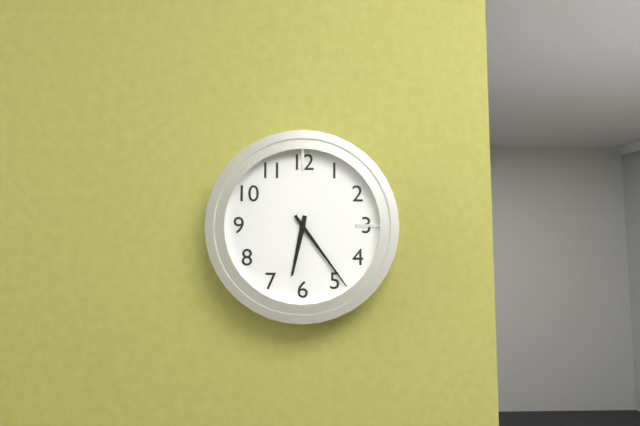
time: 6:24
